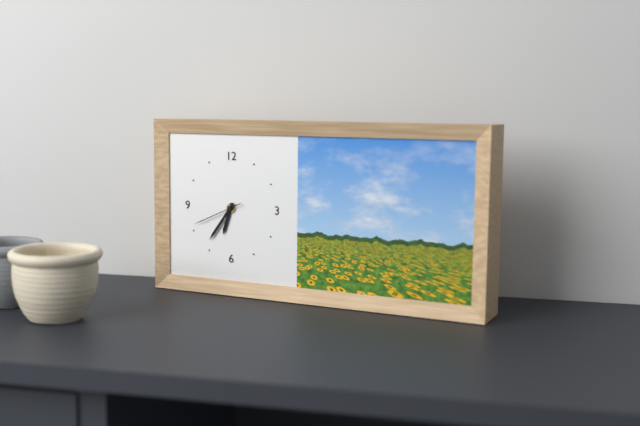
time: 6:36
